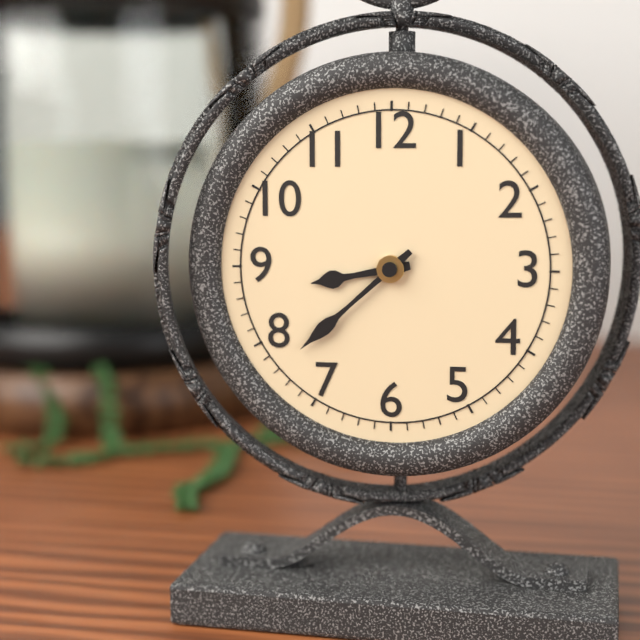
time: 8:38
